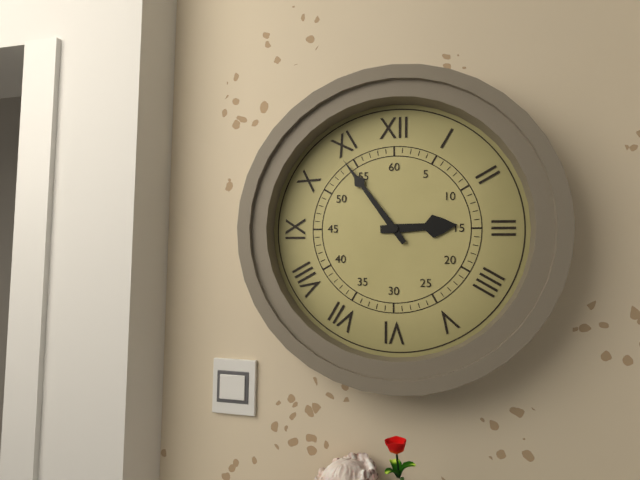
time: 2:54
